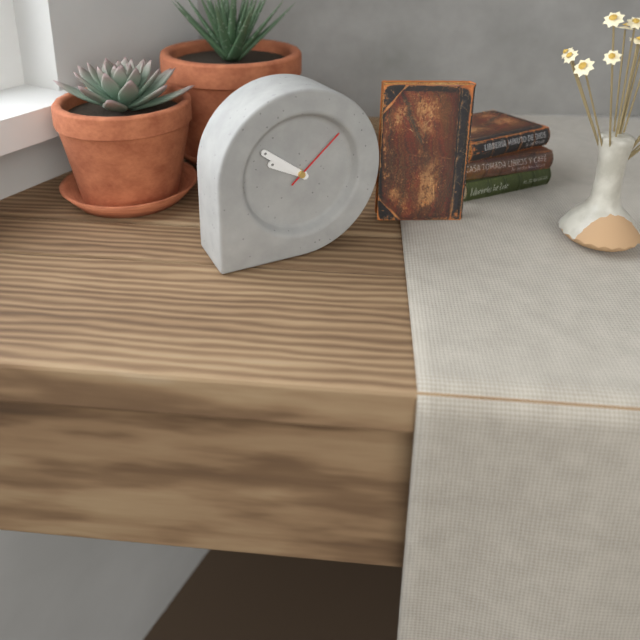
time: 9:51:08
